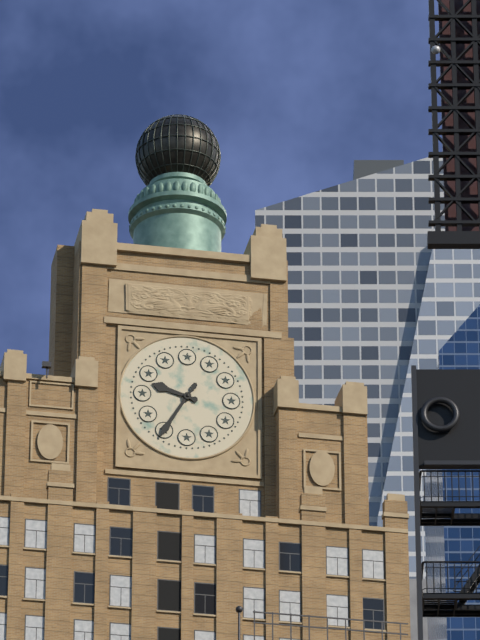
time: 9:35
